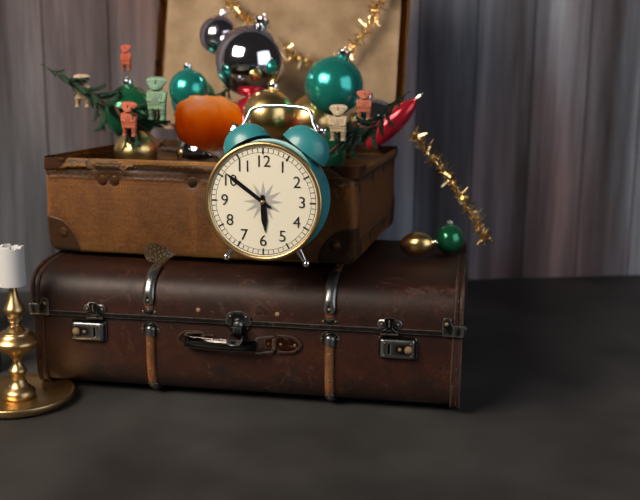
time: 5:51
